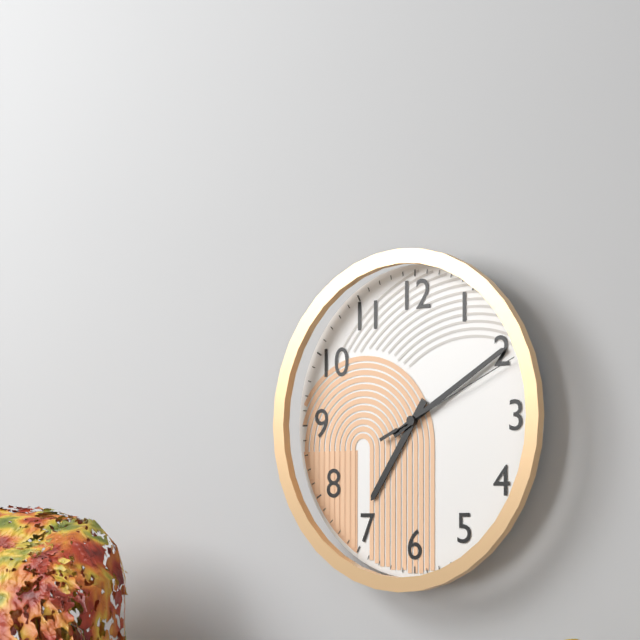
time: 7:10:11
